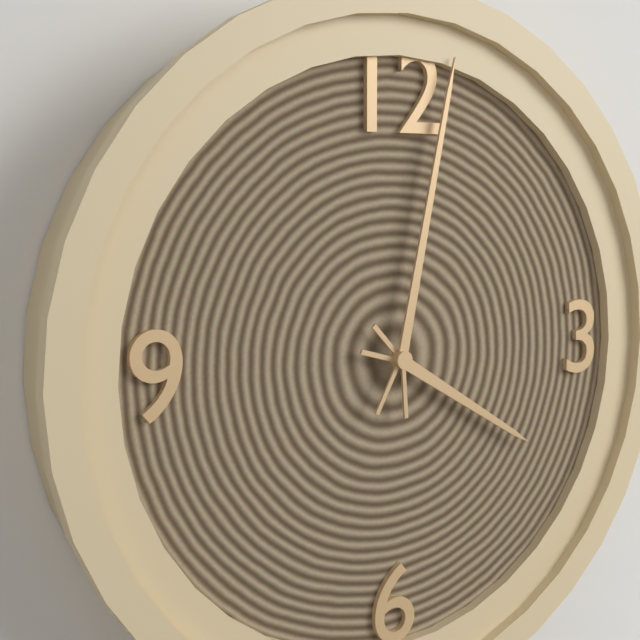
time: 4:02
